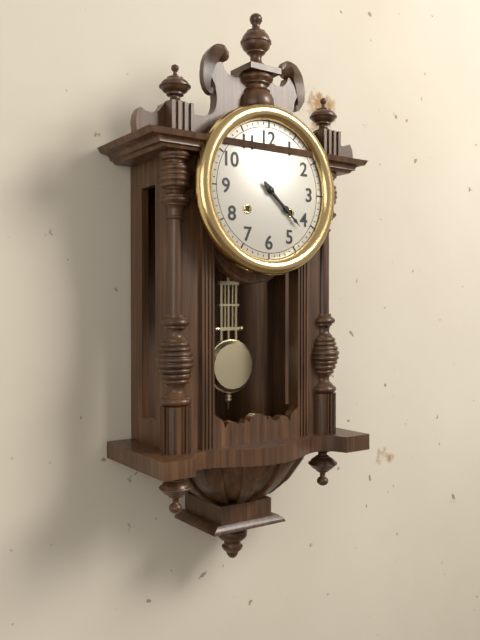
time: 4:22
